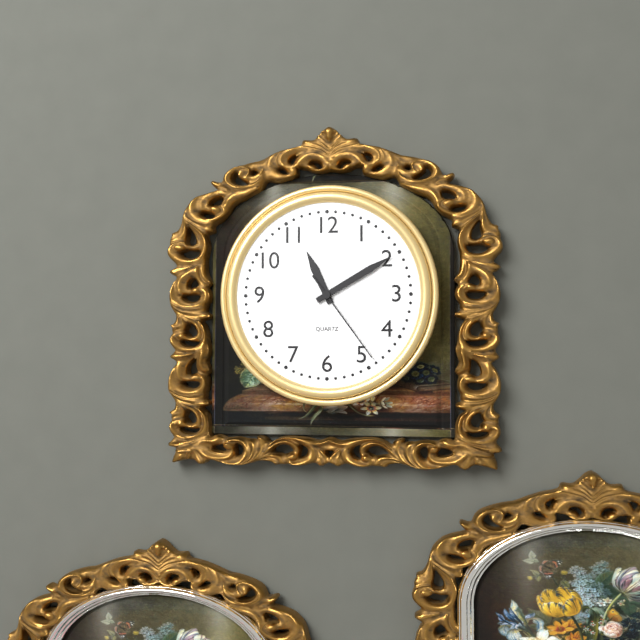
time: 11:10:24
